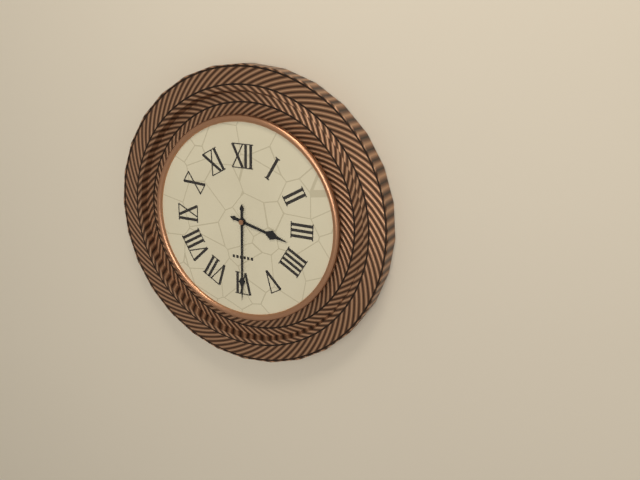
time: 3:30
